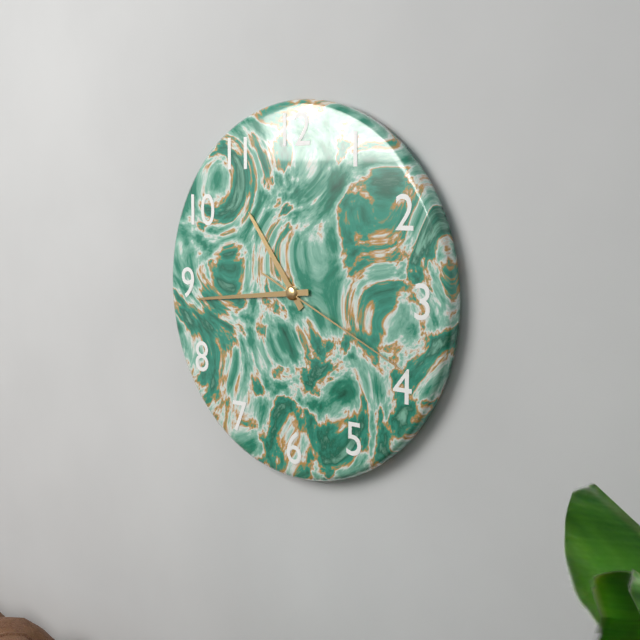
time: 10:44:19
